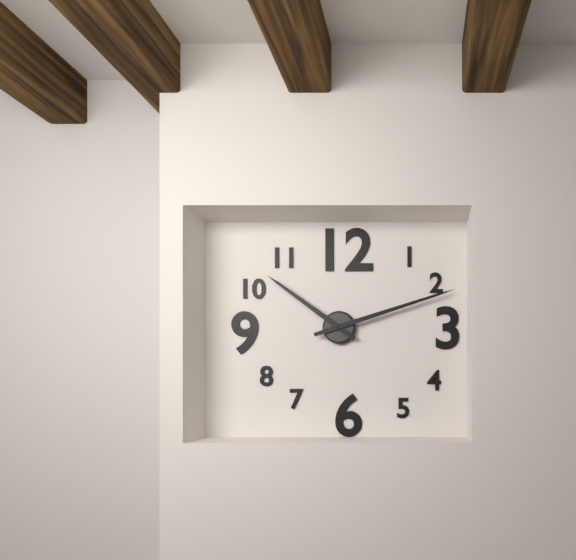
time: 10:12
